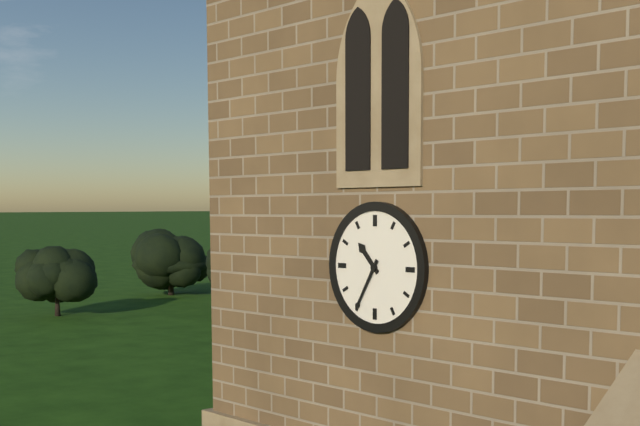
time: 10:35
